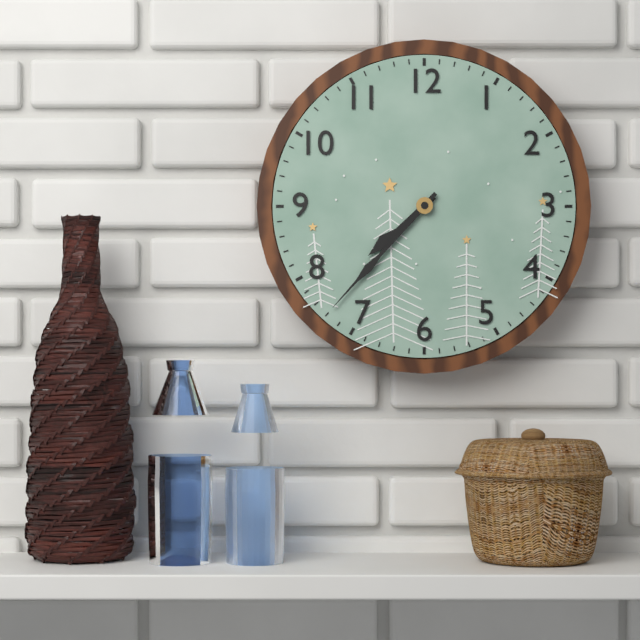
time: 7:37
